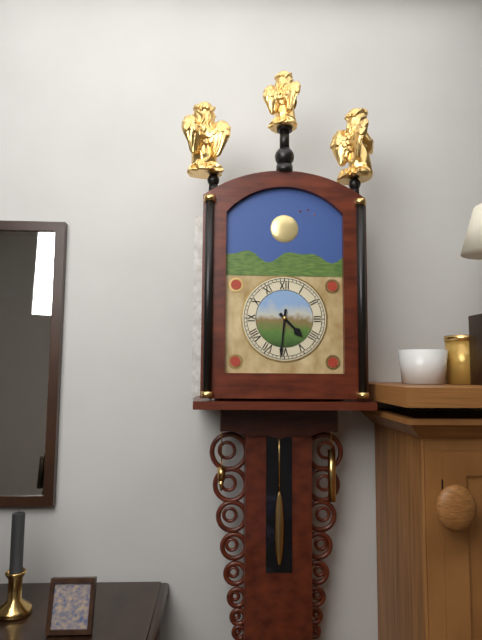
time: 4:31
